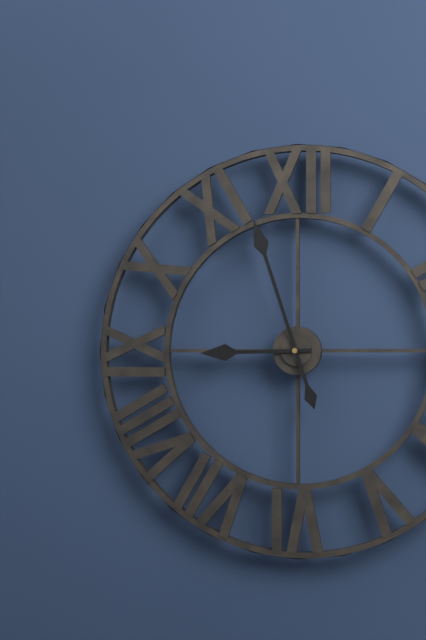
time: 8:57
